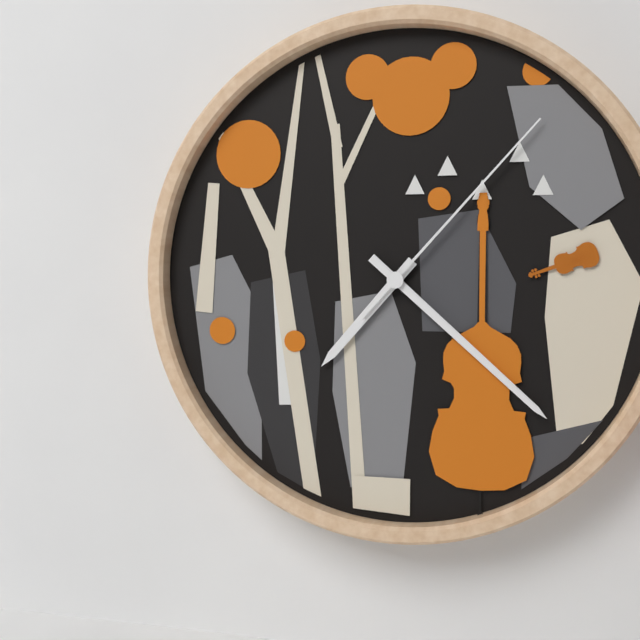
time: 7:22:07
